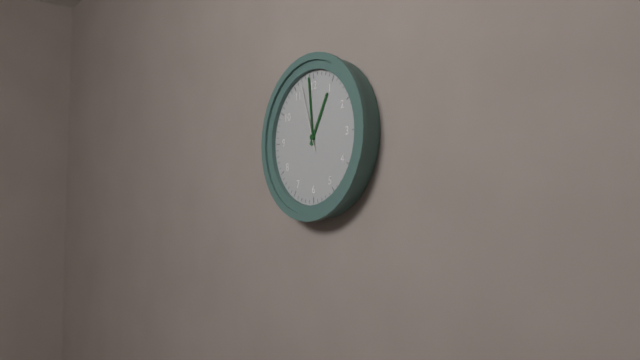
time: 12:59:57
